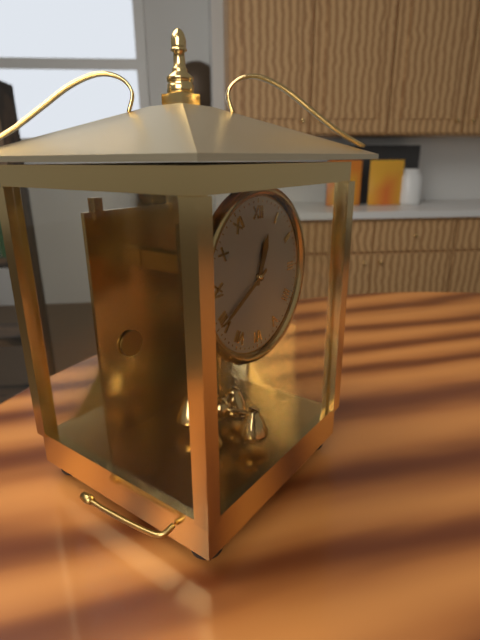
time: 12:40
